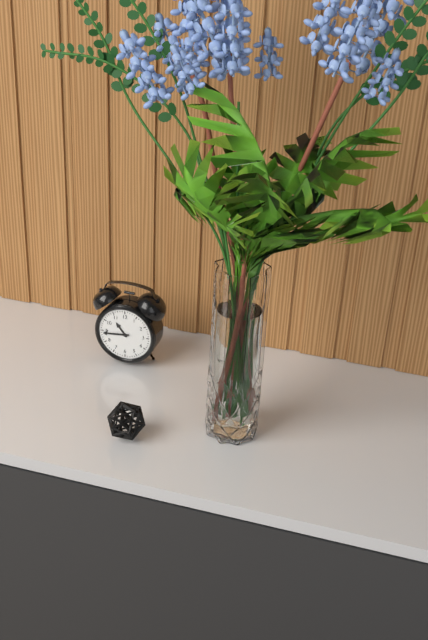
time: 10:44
